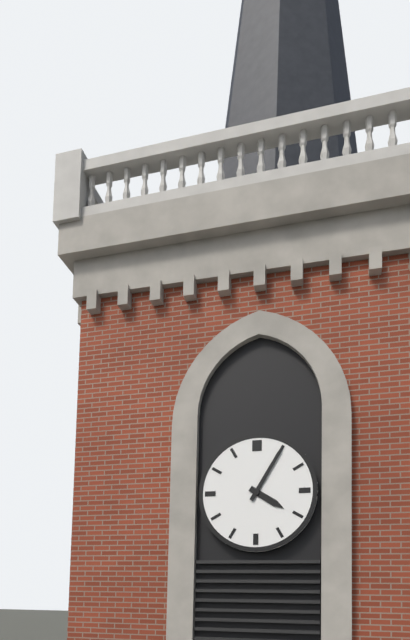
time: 4:05
